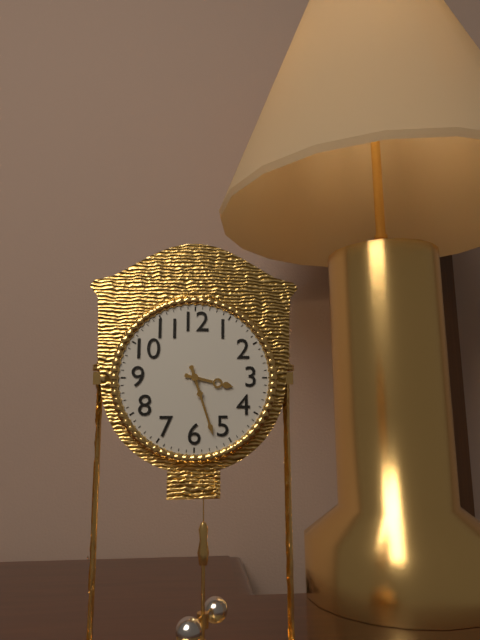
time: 3:27
